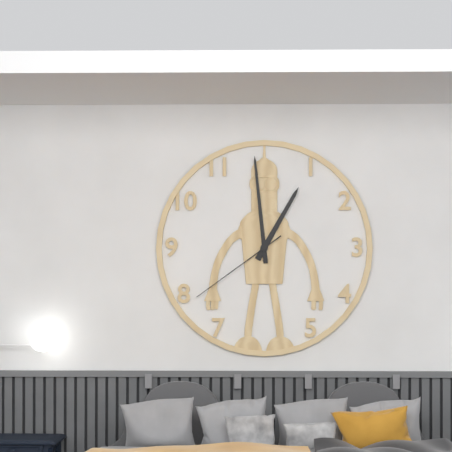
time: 12:59:39
